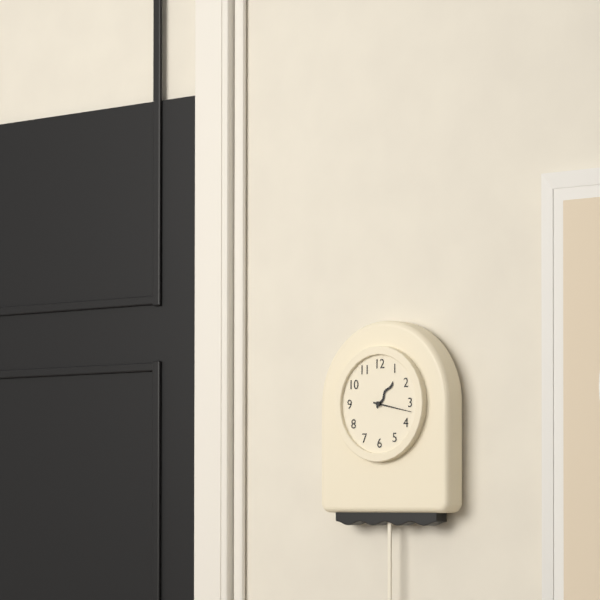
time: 1:17
